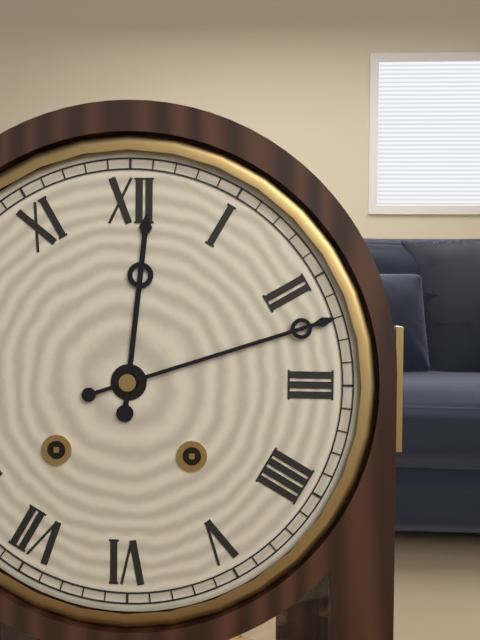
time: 12:12
